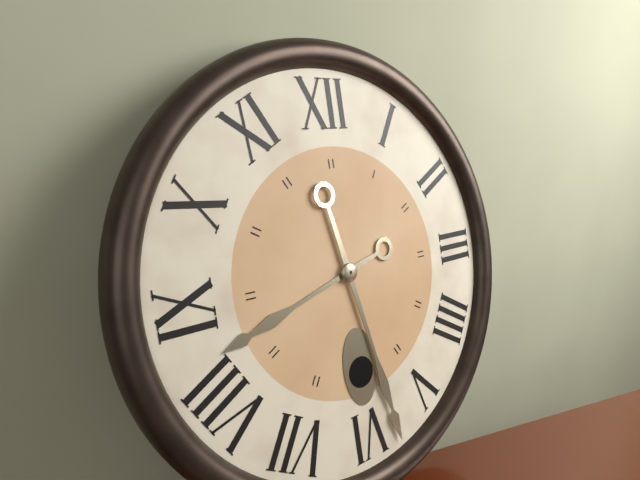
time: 8:28
